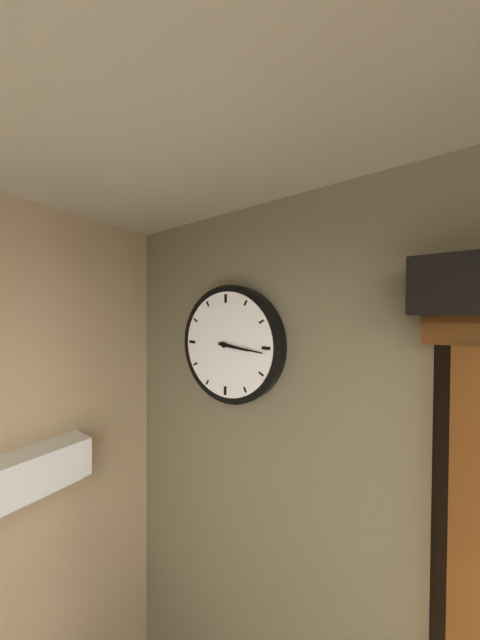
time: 3:16
